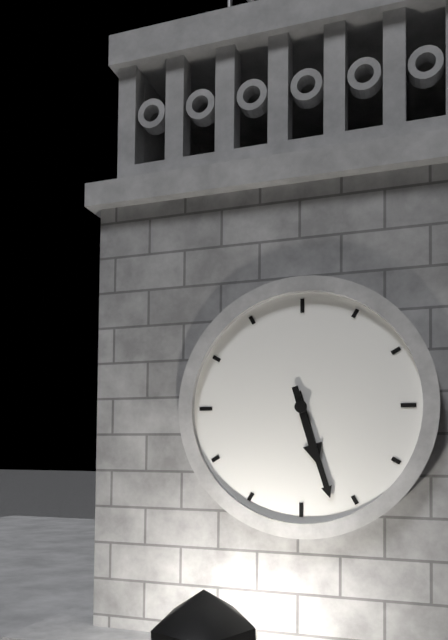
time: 5:27
